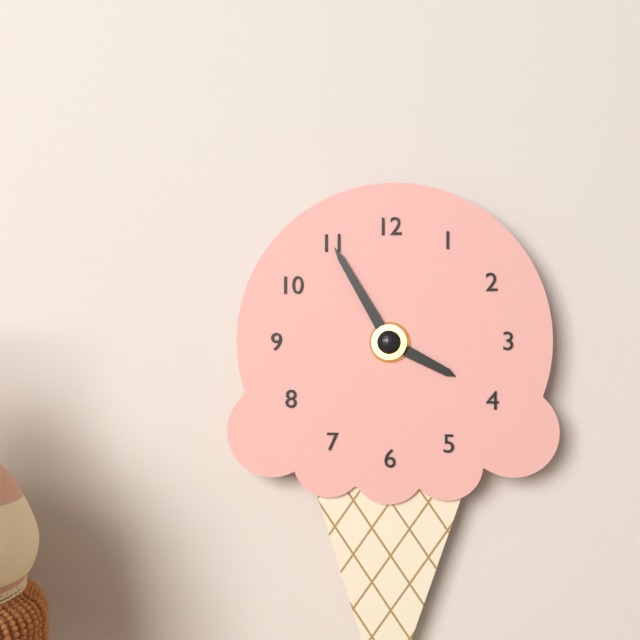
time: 3:55
